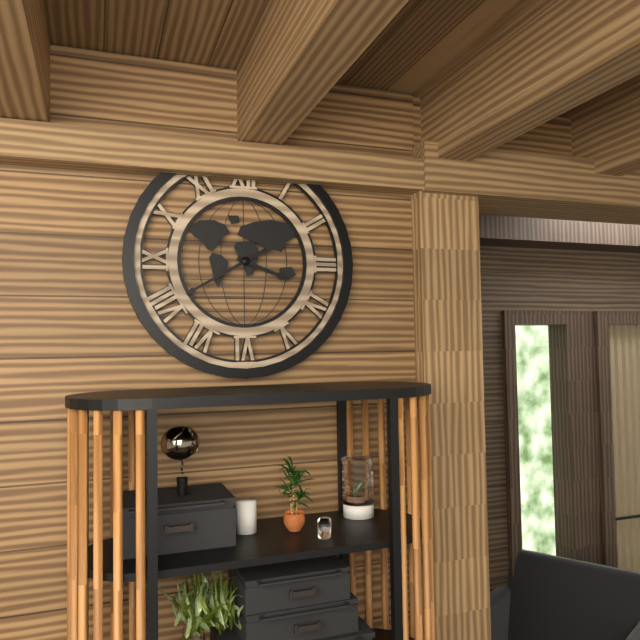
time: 3:40
